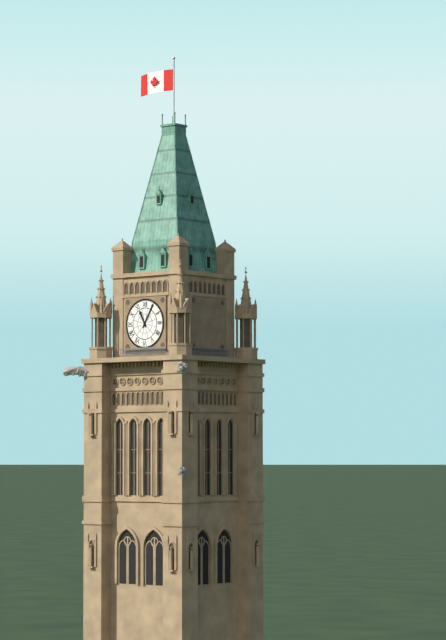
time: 11:05
